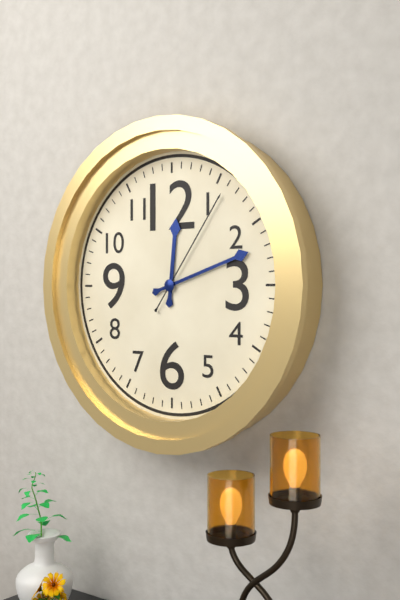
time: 12:12:06
